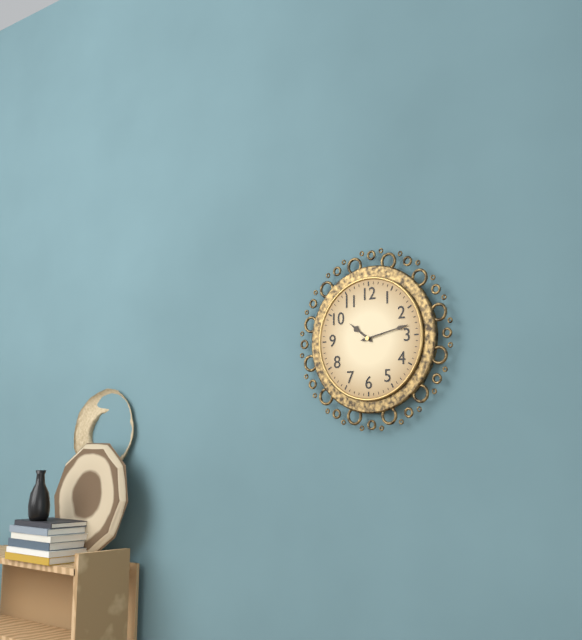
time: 10:13
